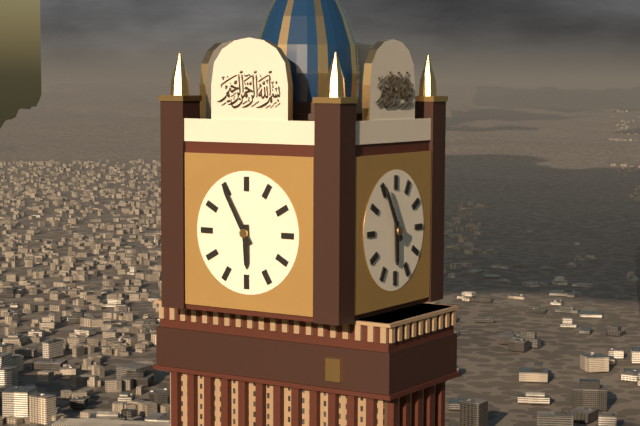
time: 5:55
